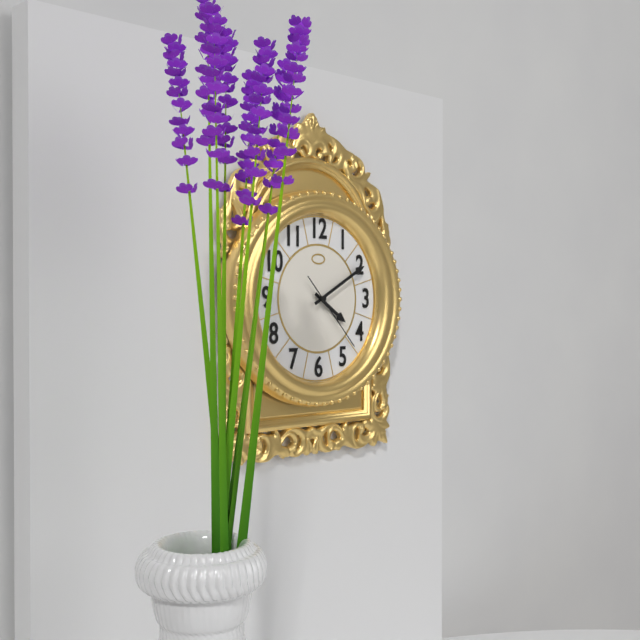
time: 4:10:23
